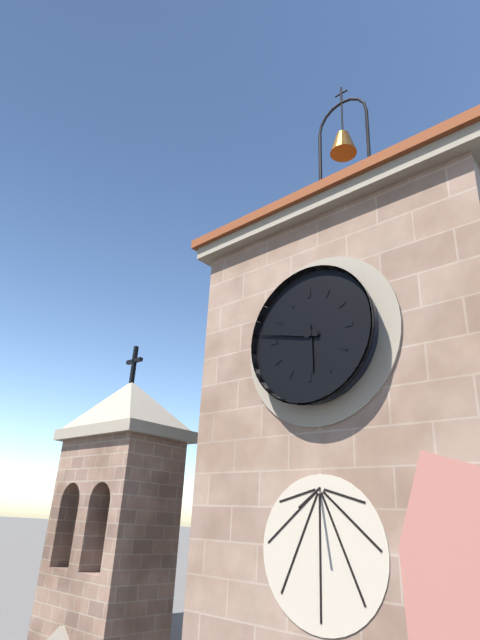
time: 5:47
